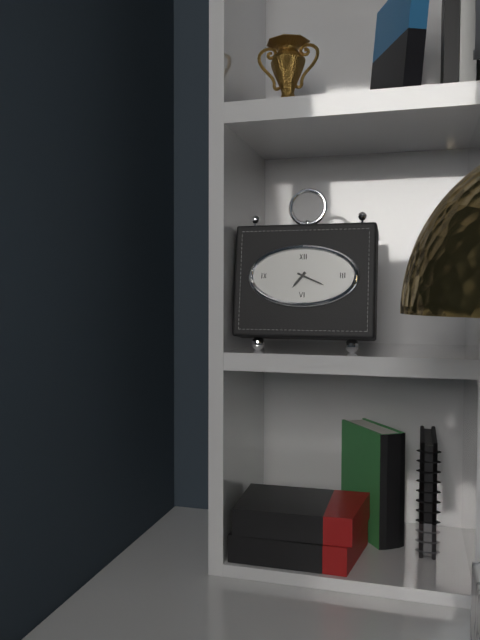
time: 7:19
